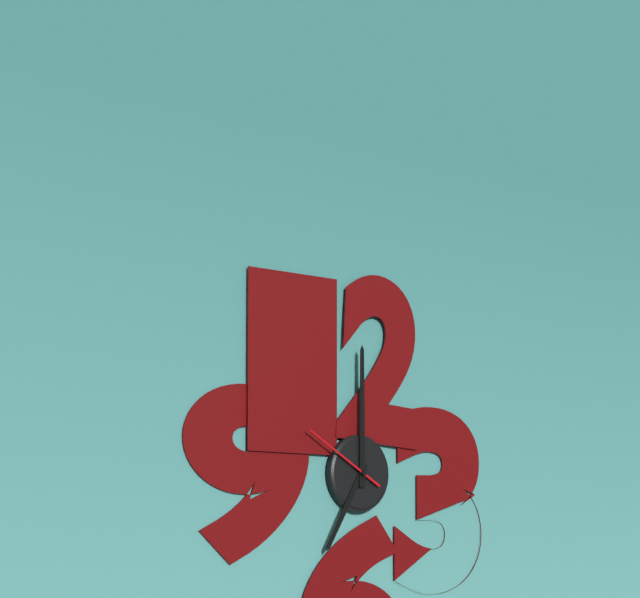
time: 7:00:50
